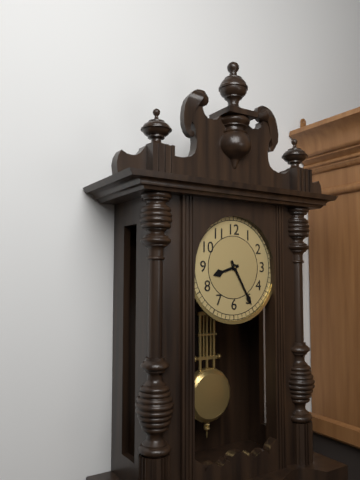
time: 8:25
